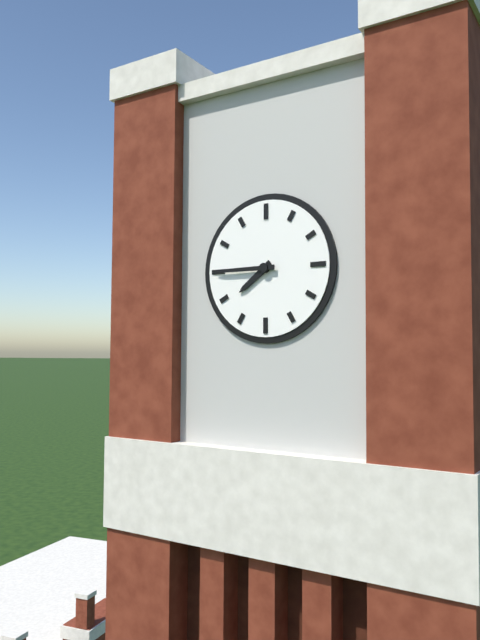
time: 7:45
